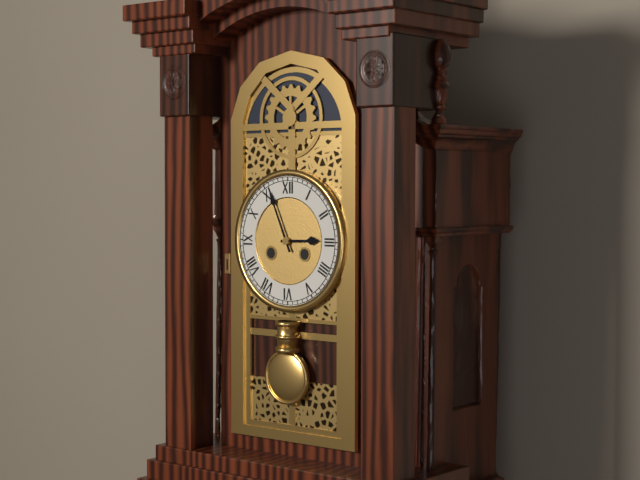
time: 2:56
